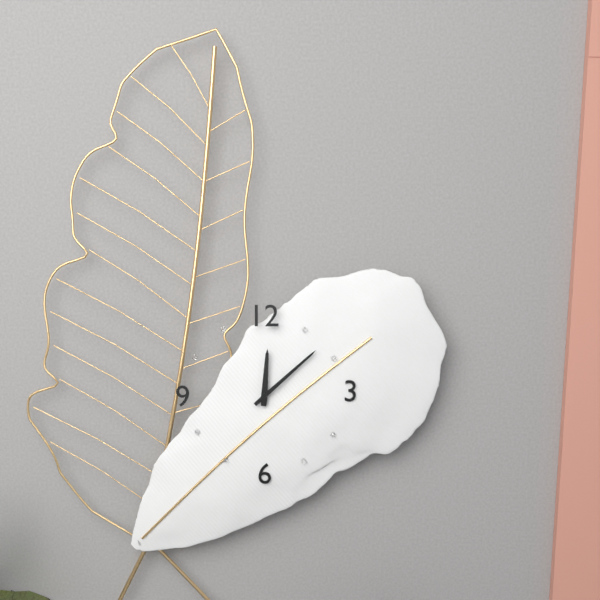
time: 12:08
